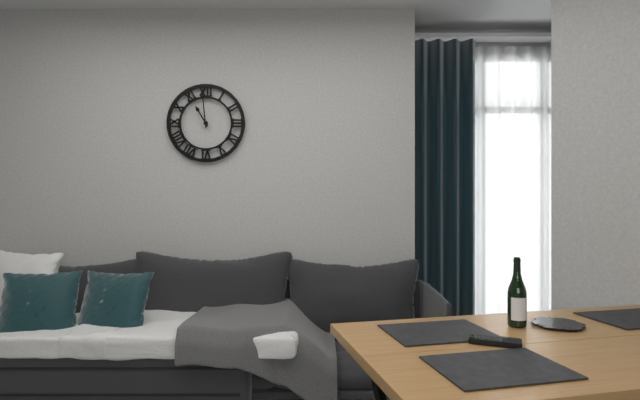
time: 10:59
